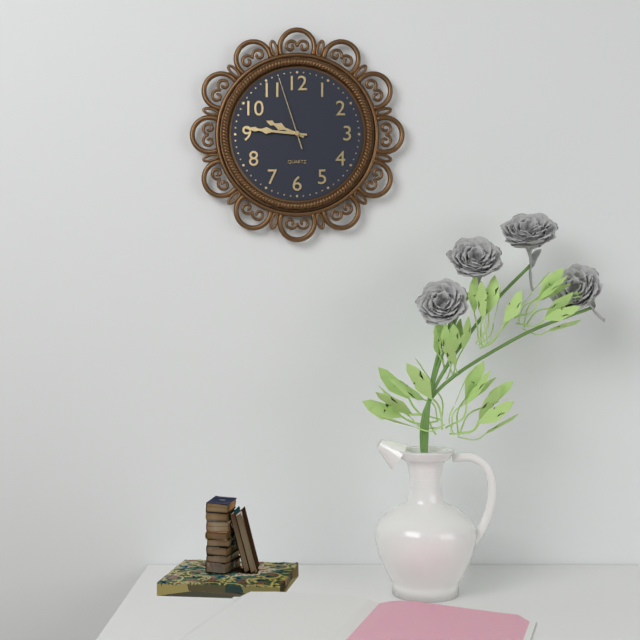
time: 9:46:57
